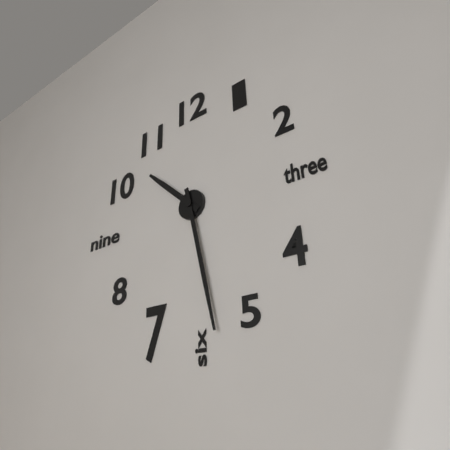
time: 10:28
